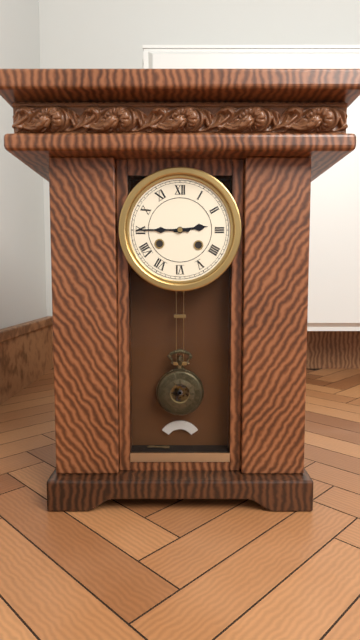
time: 2:45
